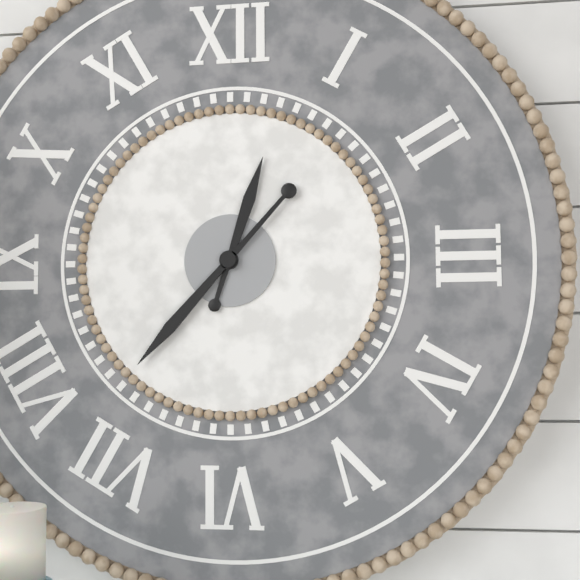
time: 12:37
